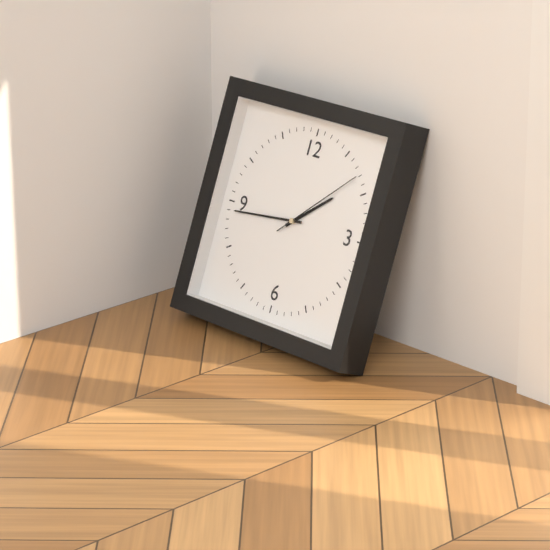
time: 1:44:08
